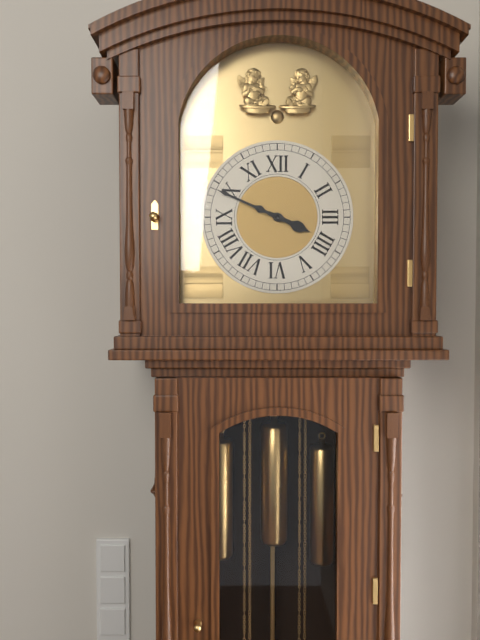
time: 3:49
